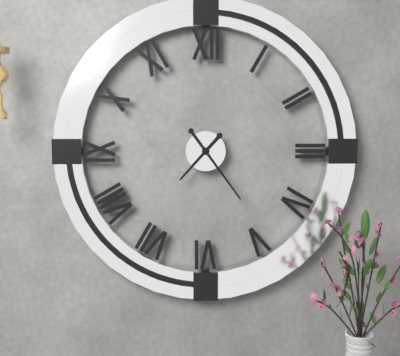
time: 7:24
